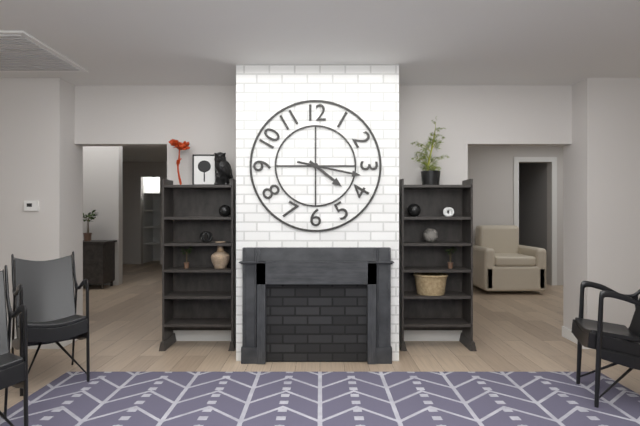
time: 4:17
